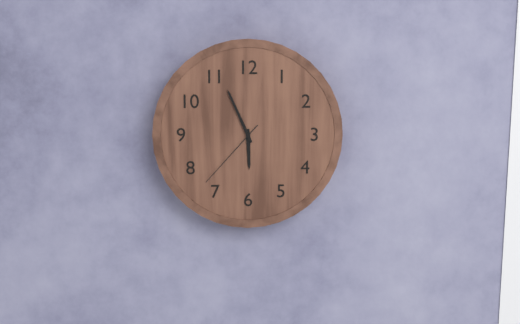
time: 5:56:37
